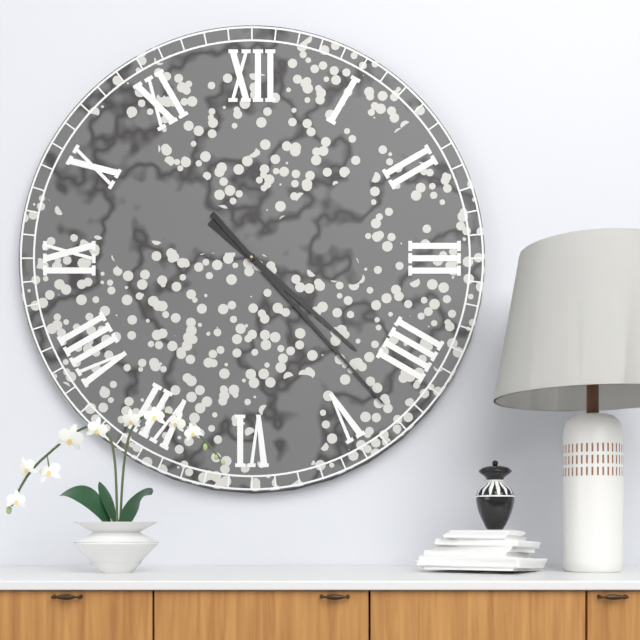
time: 4:23
